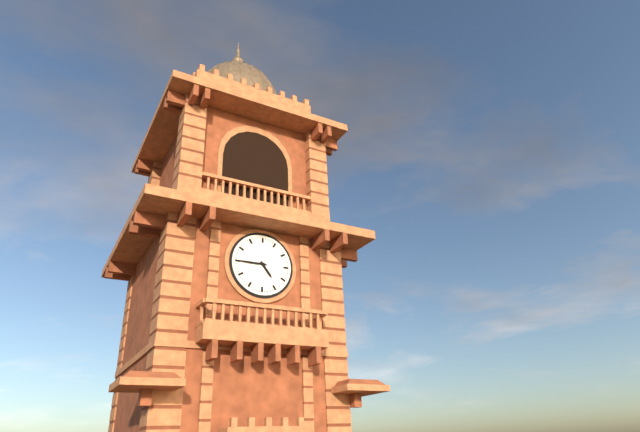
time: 4:45
